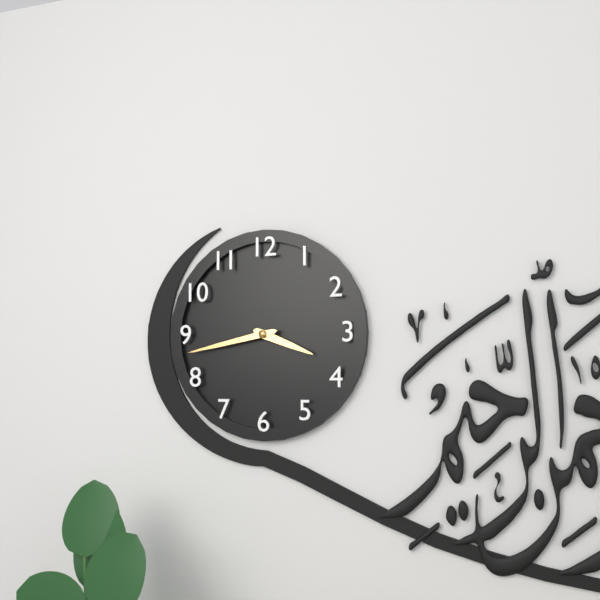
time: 3:43
